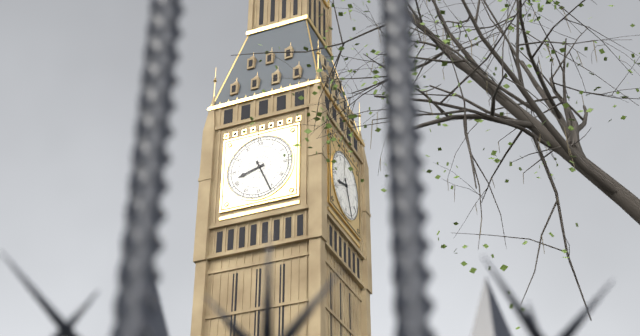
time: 8:26
